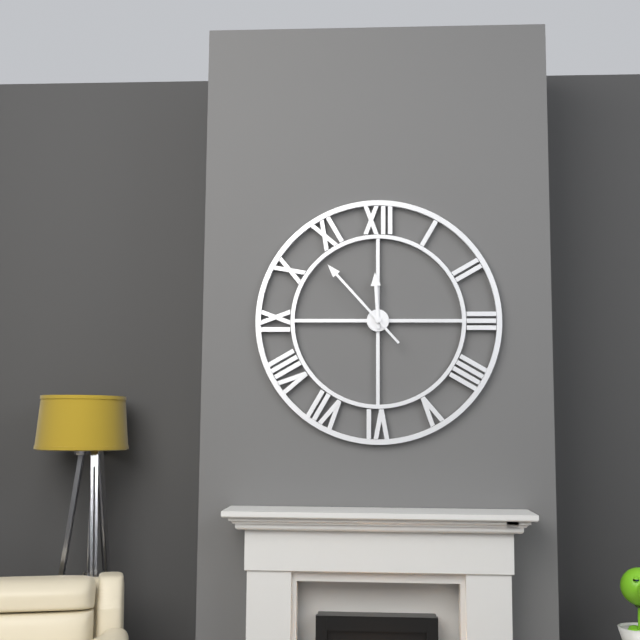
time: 11:53
